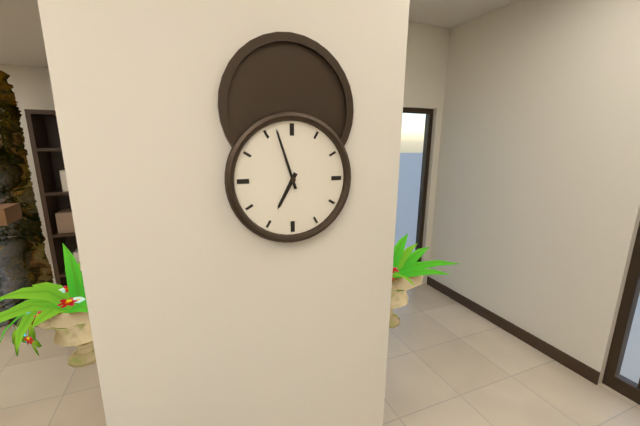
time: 6:57
